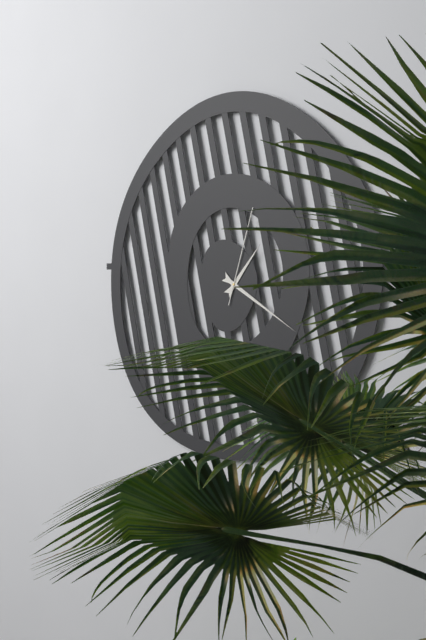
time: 1:20:03
